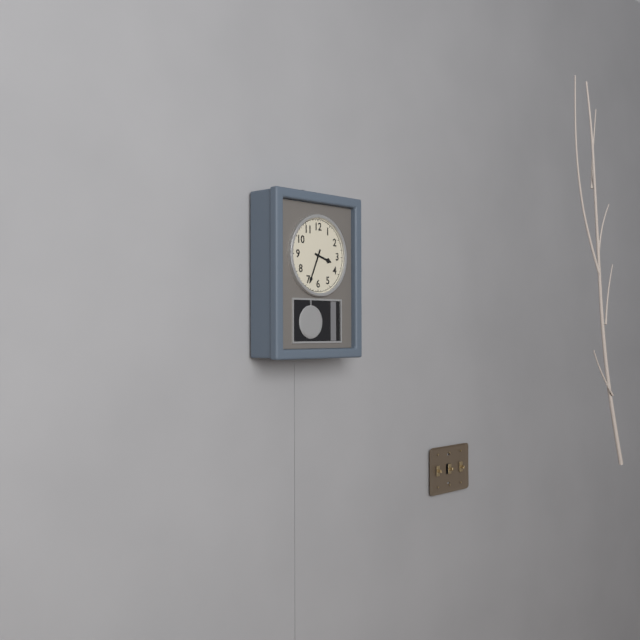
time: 3:34
